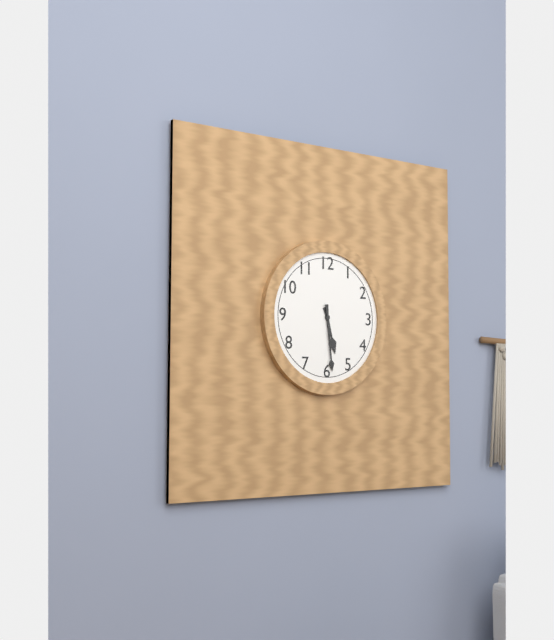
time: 5:29
